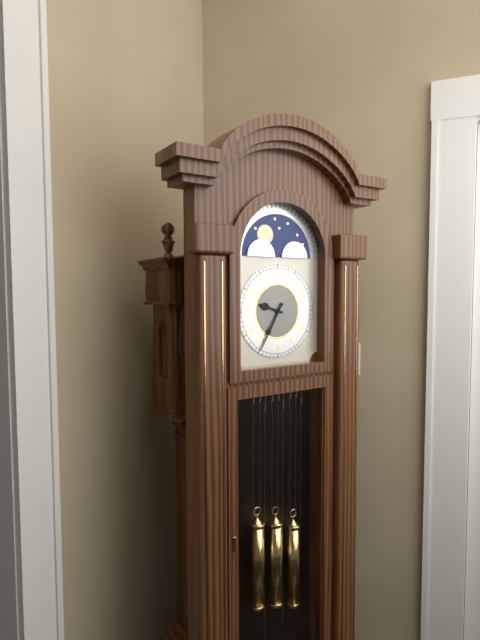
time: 9:35
